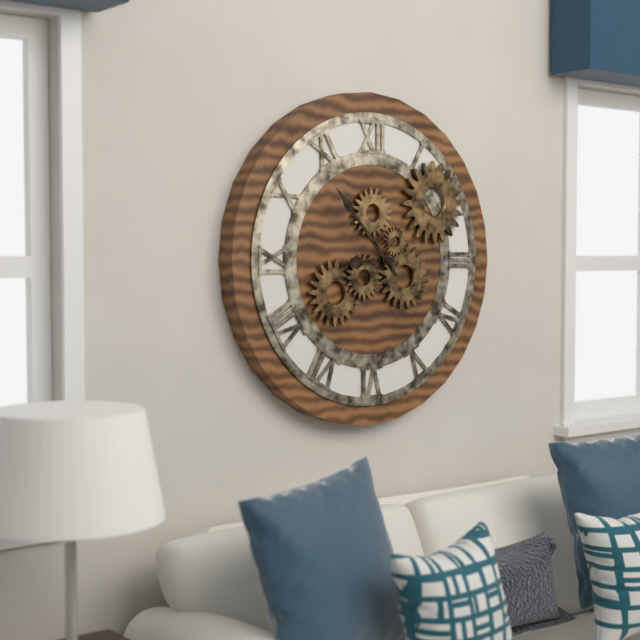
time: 8:53
